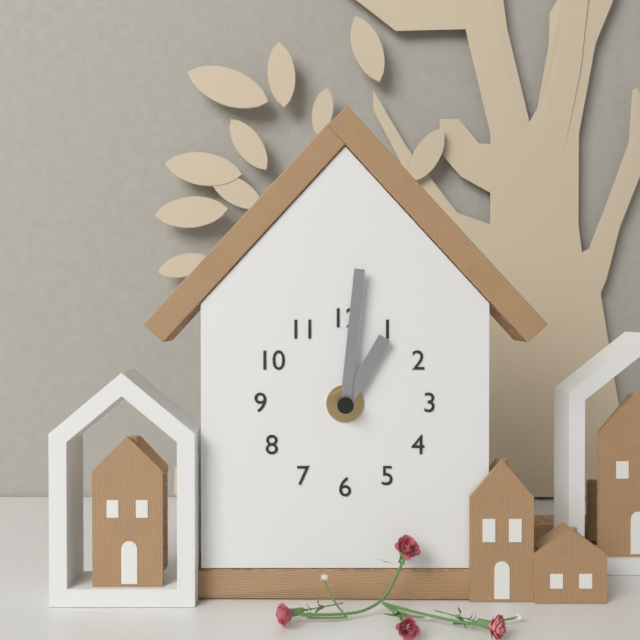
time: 1:01
